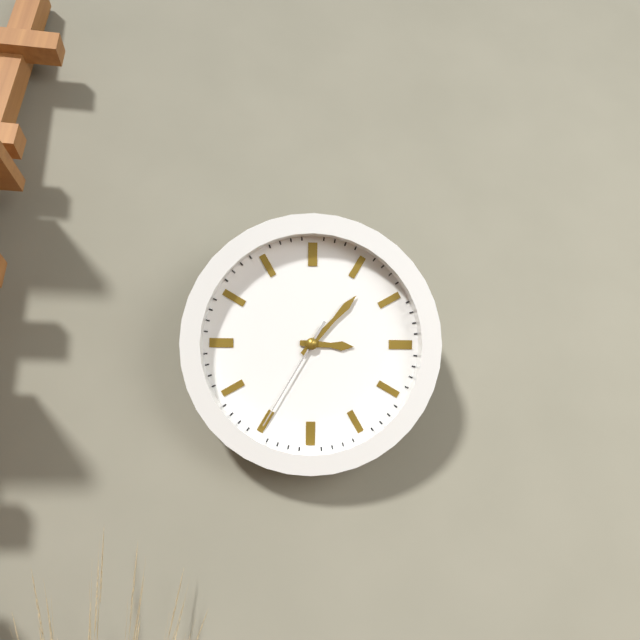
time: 3:07:35
